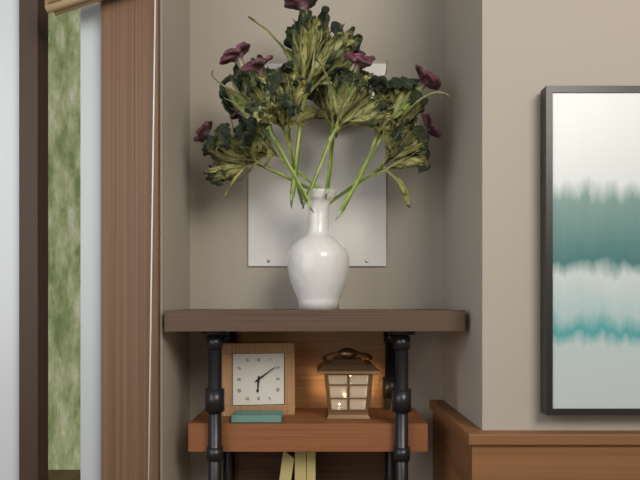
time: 6:09
